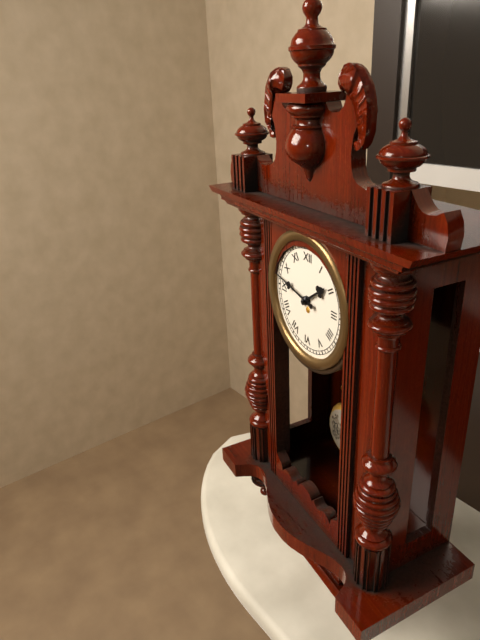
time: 1:47
